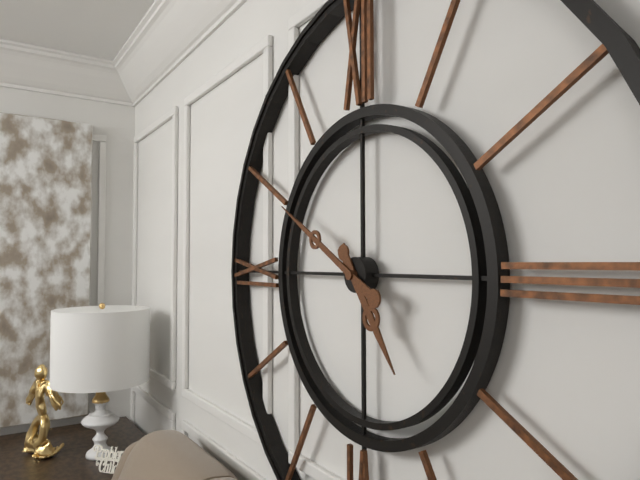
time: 4:50
